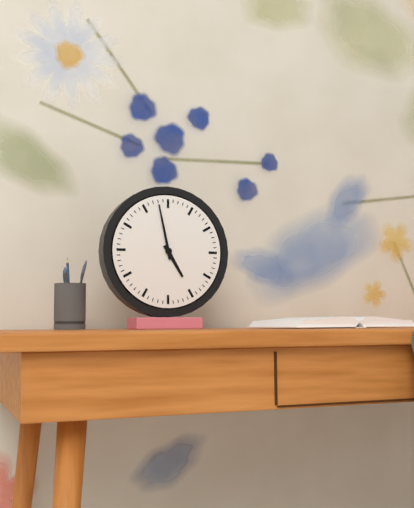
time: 4:58
